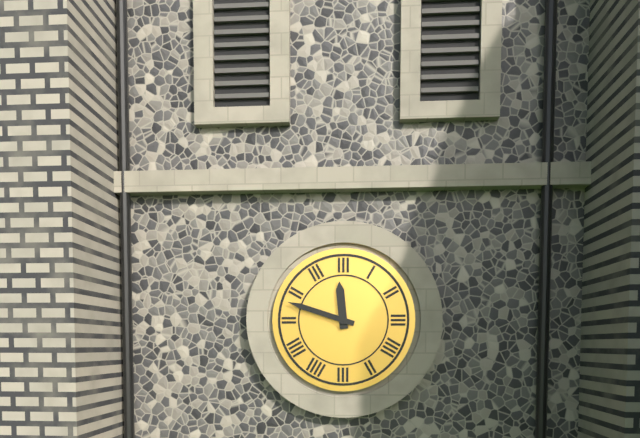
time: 11:48
